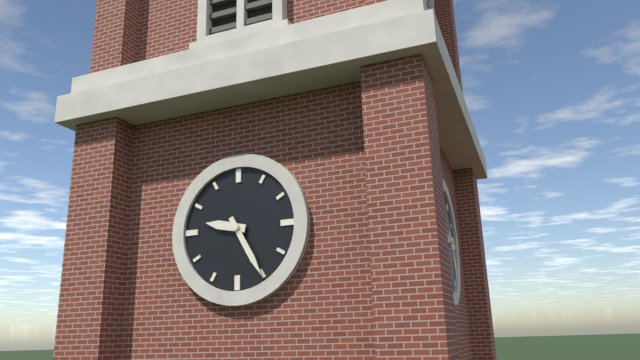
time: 9:25
